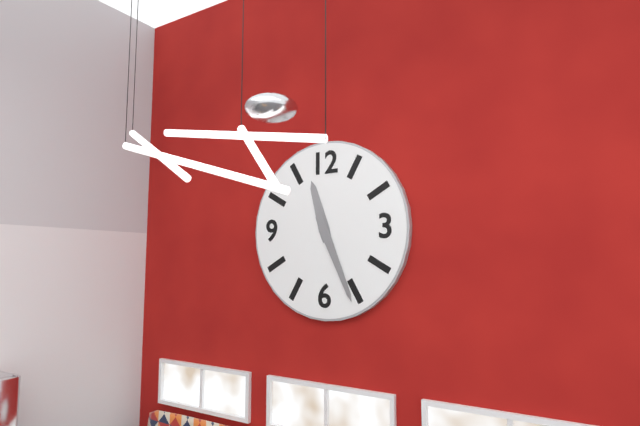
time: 11:26
